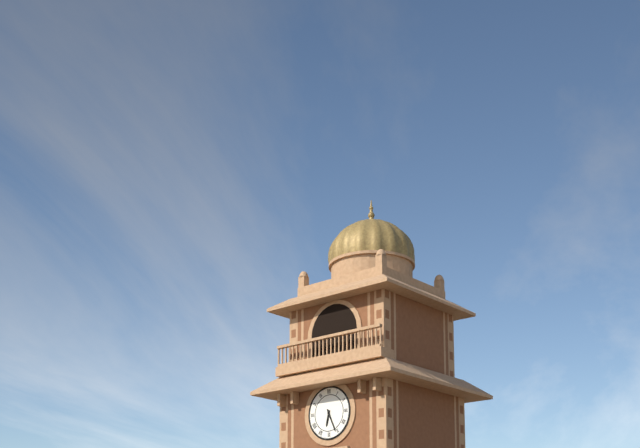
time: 6:26
